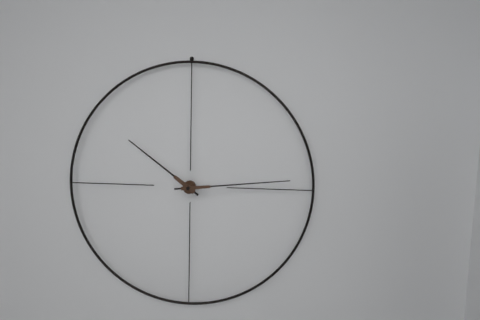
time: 10:14
